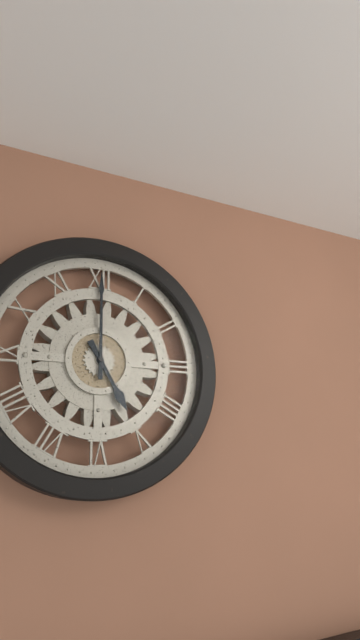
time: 5:00
